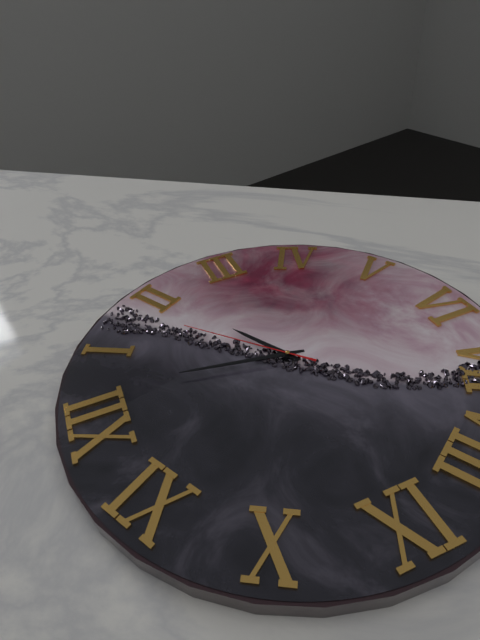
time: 2:02:08
